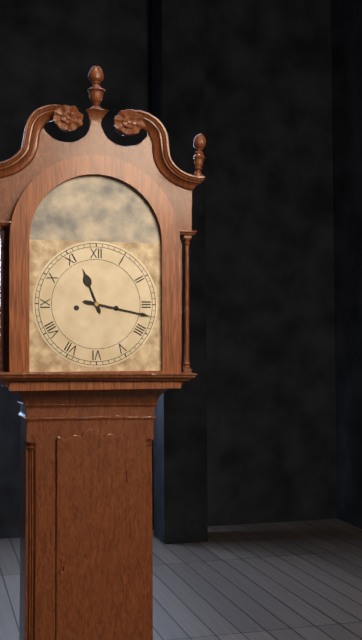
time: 11:17
